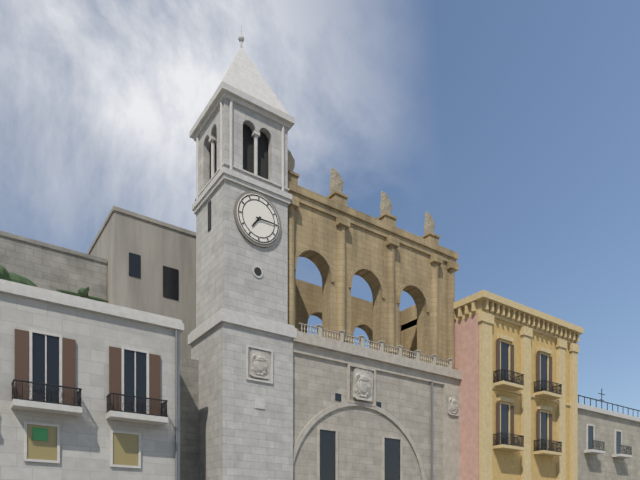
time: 7:15
